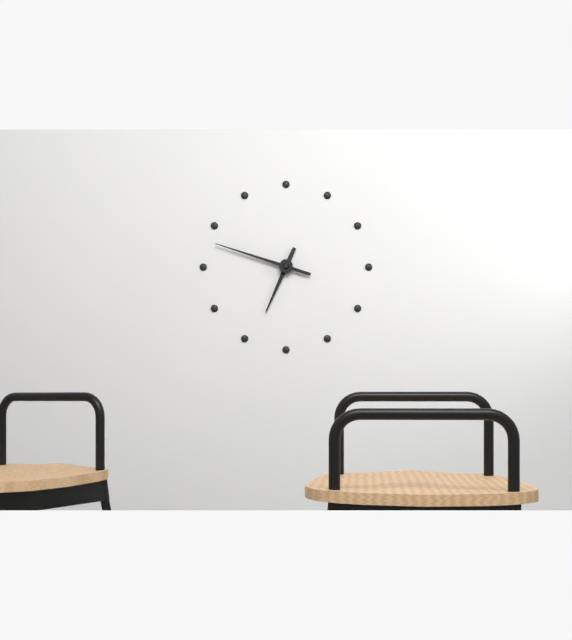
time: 6:48
